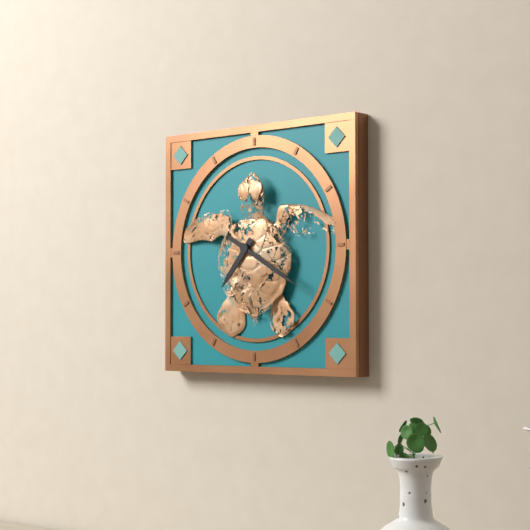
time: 7:20
